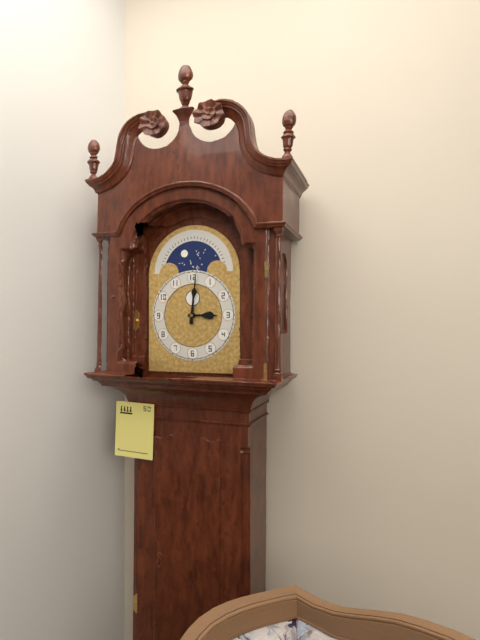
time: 3:01
